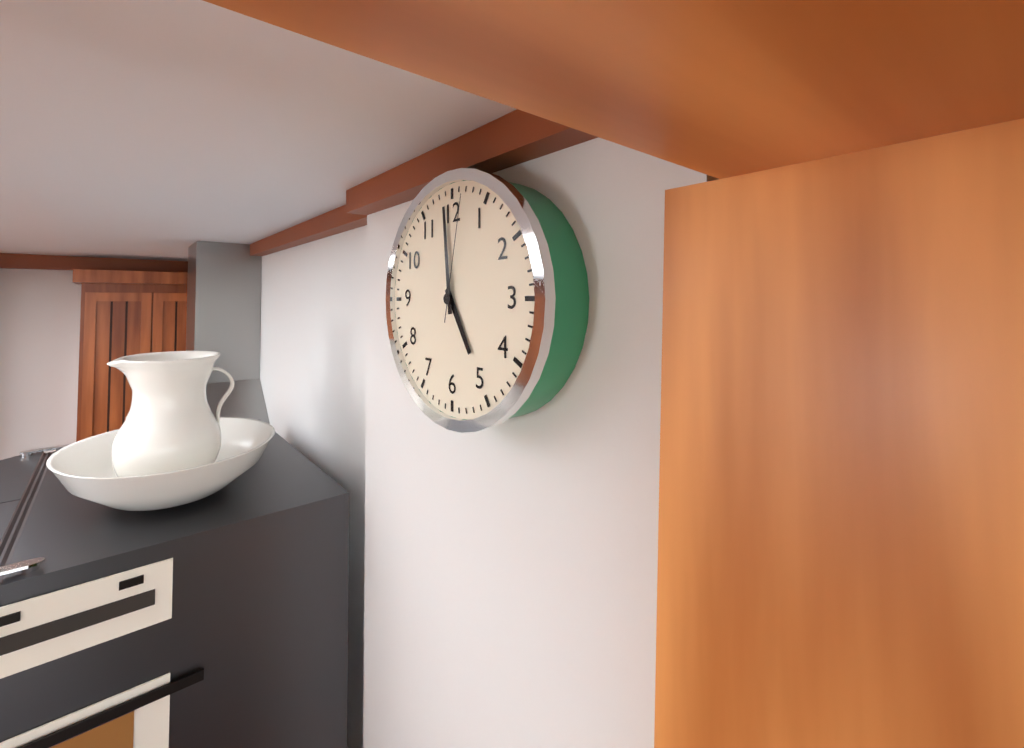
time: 4:59:02
